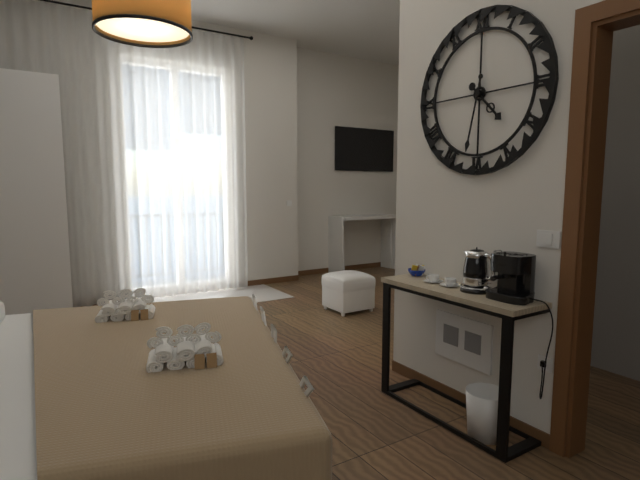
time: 4:32
